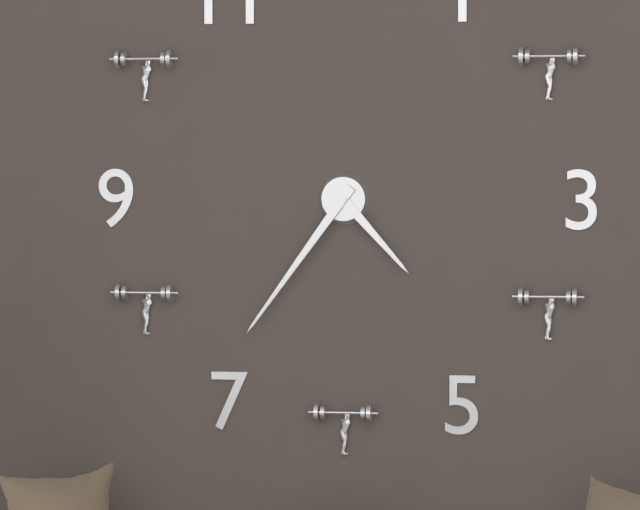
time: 4:36
